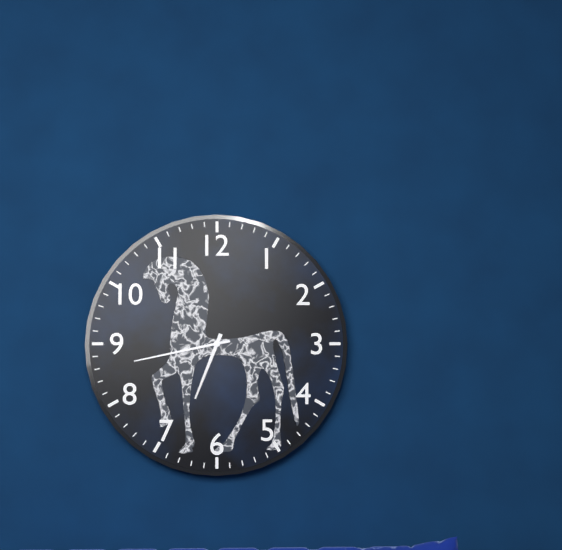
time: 6:43
